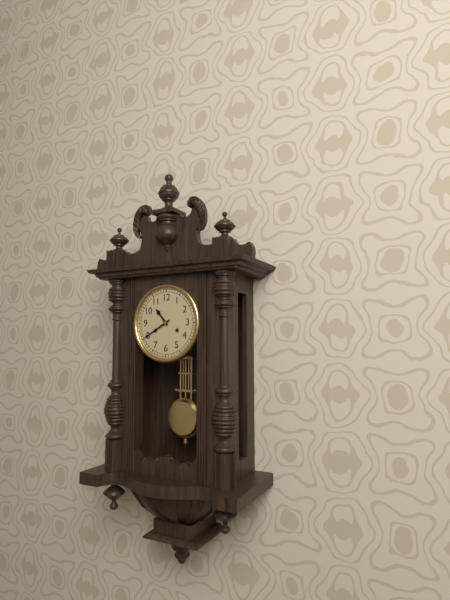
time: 10:40
